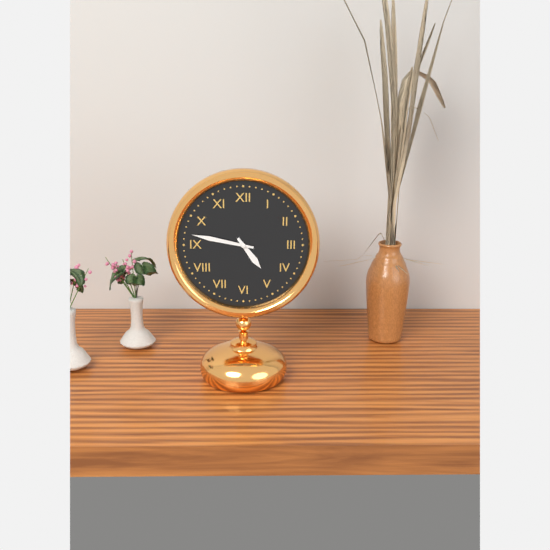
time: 4:47
